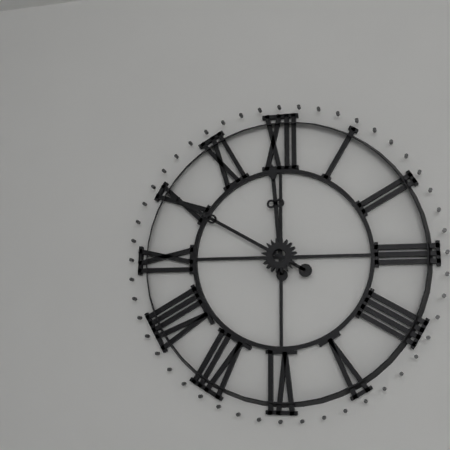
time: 11:50
